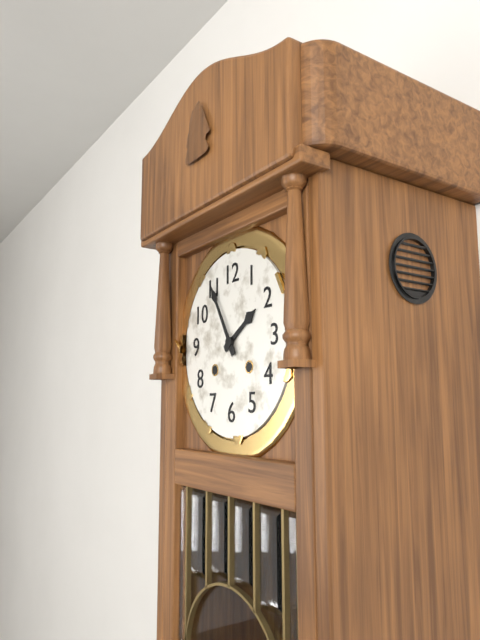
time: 1:55
